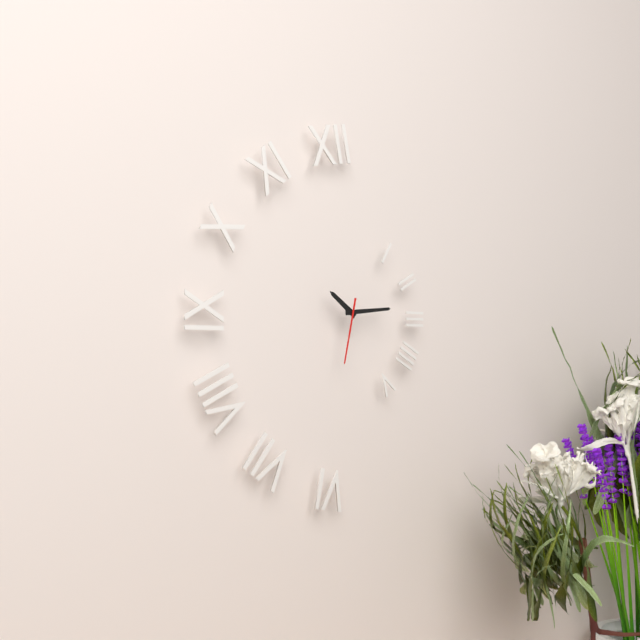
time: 10:14:32
